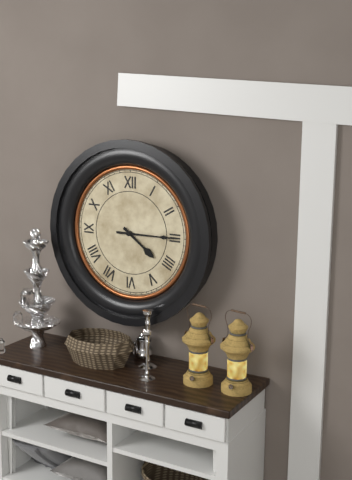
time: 4:15
